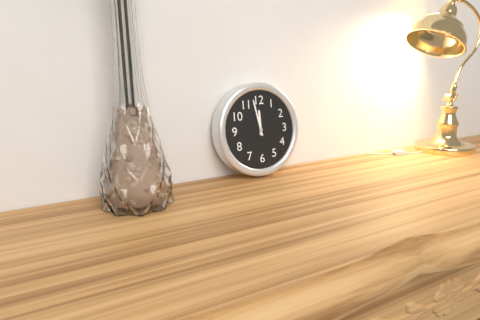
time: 11:58
